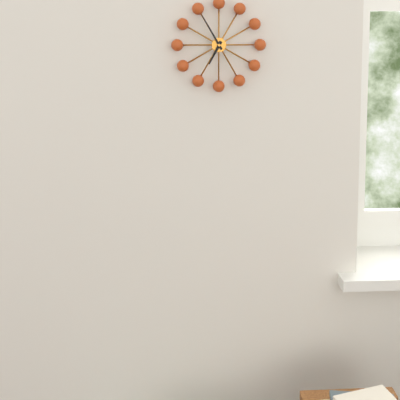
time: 6:55
